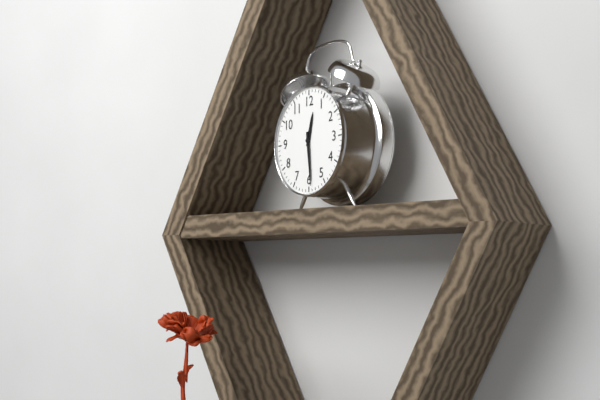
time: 12:29
